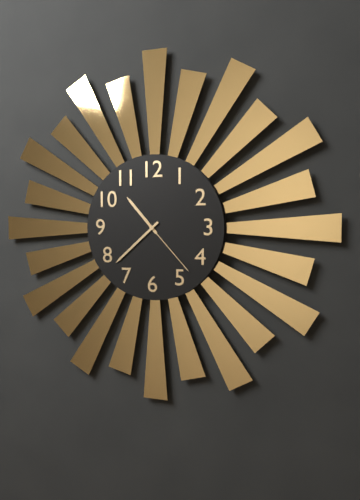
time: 10:38:23
